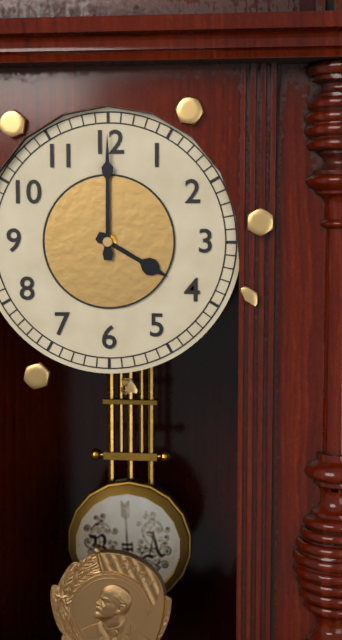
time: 4:00
